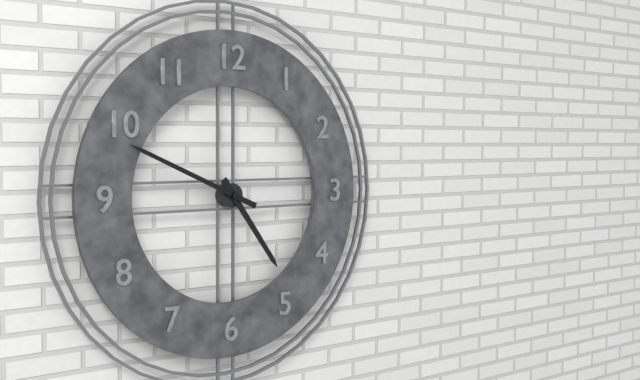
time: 4:49
